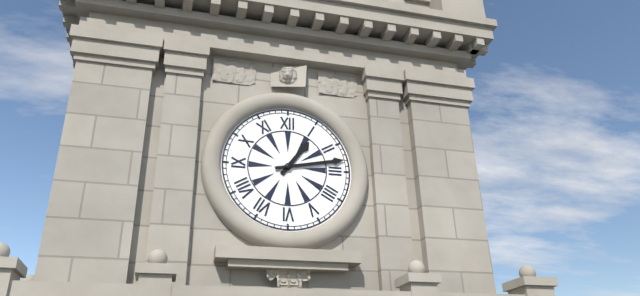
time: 1:13
